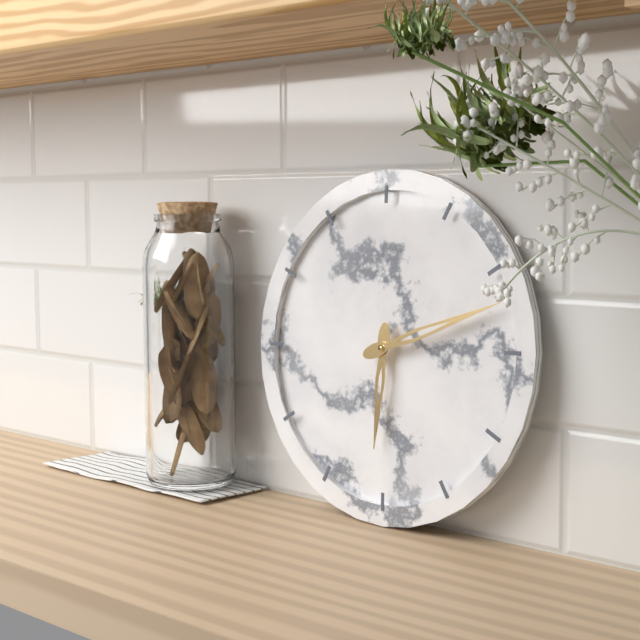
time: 6:12
